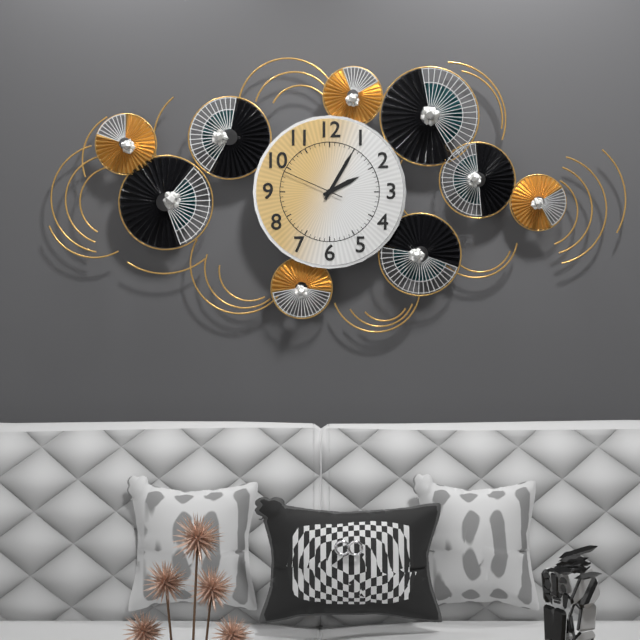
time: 2:05:49
